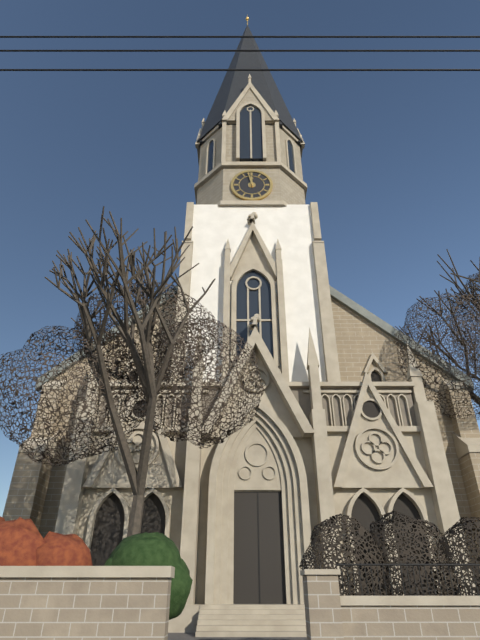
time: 11:58
